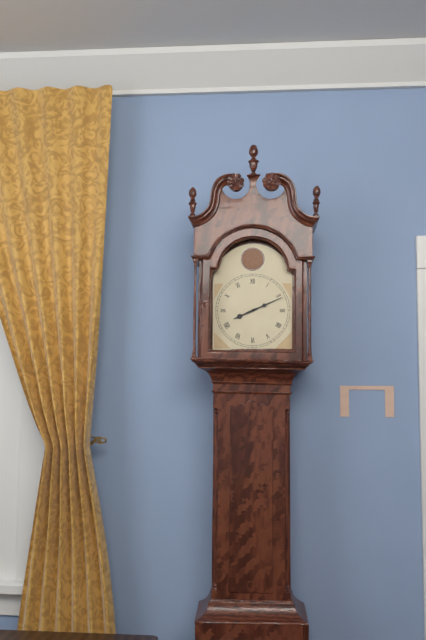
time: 8:11
